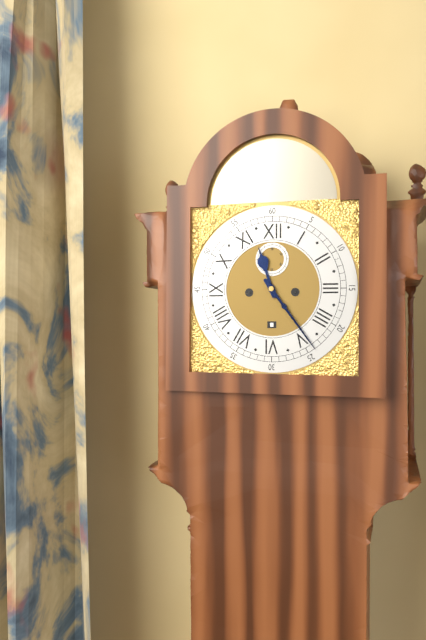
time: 11:24
